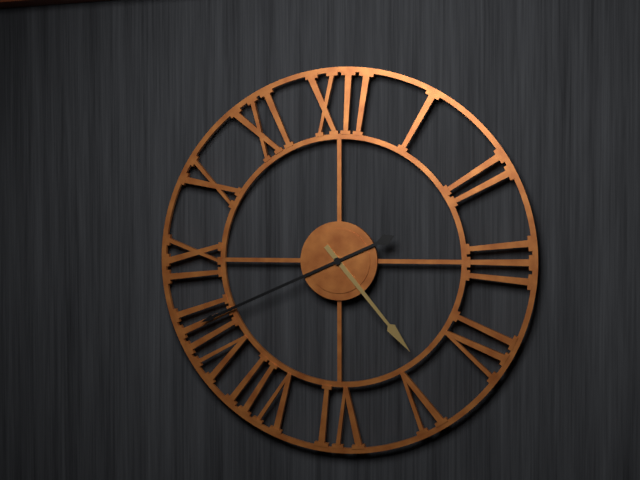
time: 4:41
